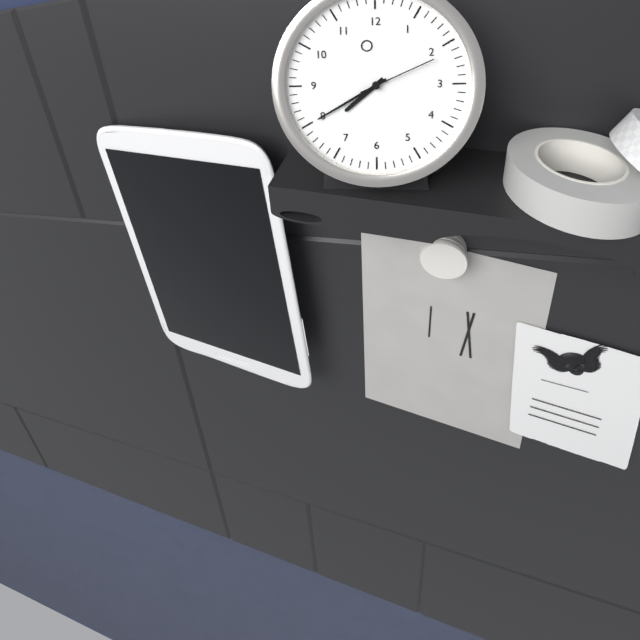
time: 7:40:11
